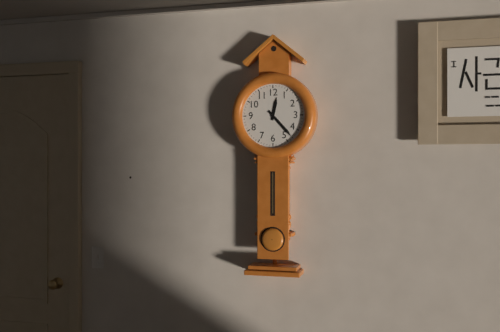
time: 12:23
